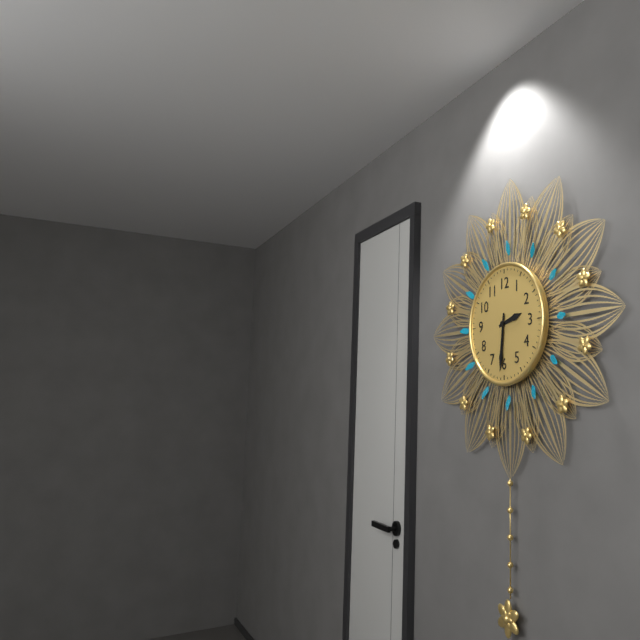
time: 2:31
